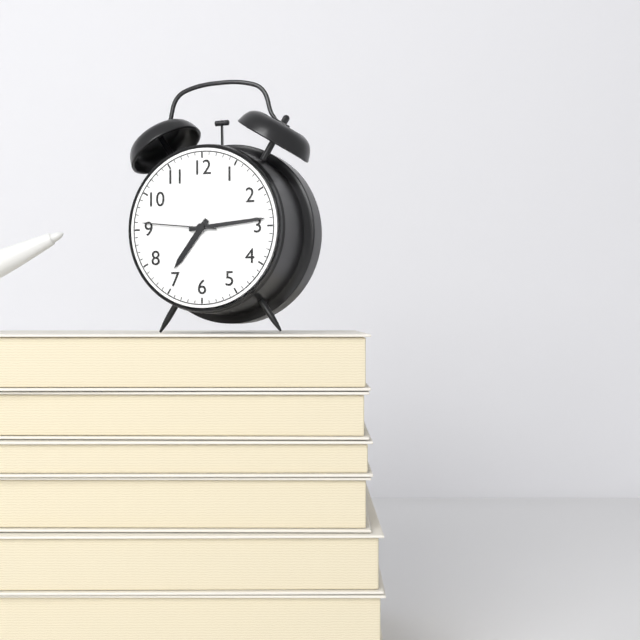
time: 7:14:46
